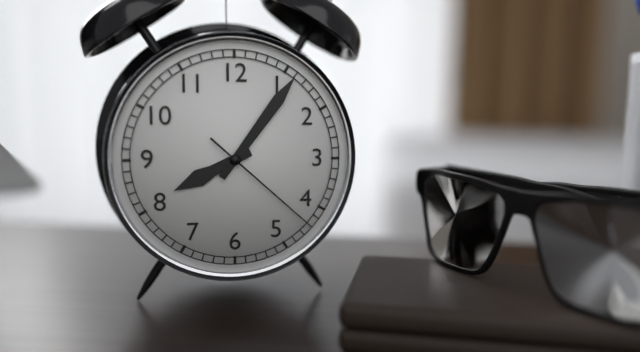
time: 8:06:22
